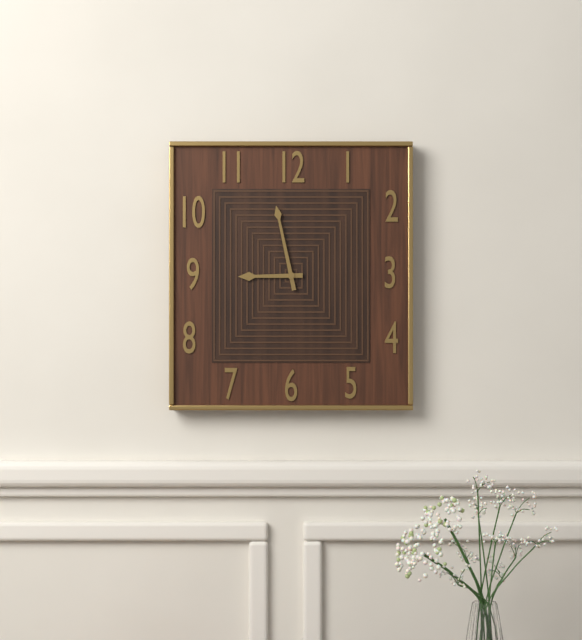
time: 8:58
